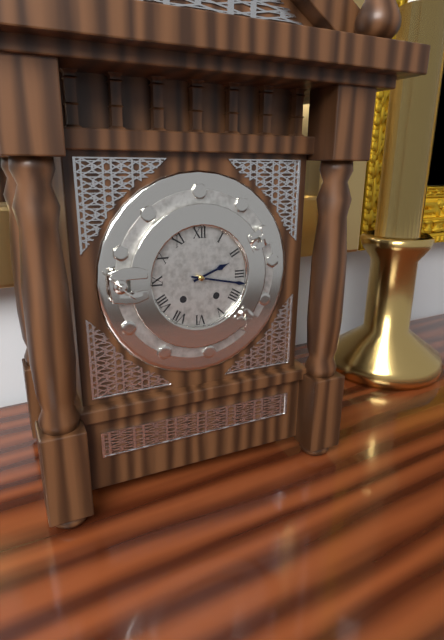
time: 2:17
